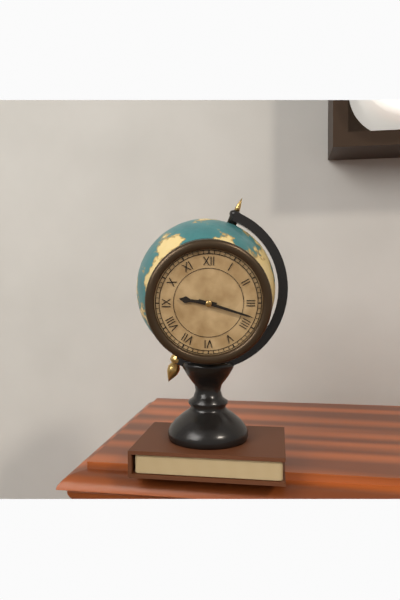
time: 9:18
